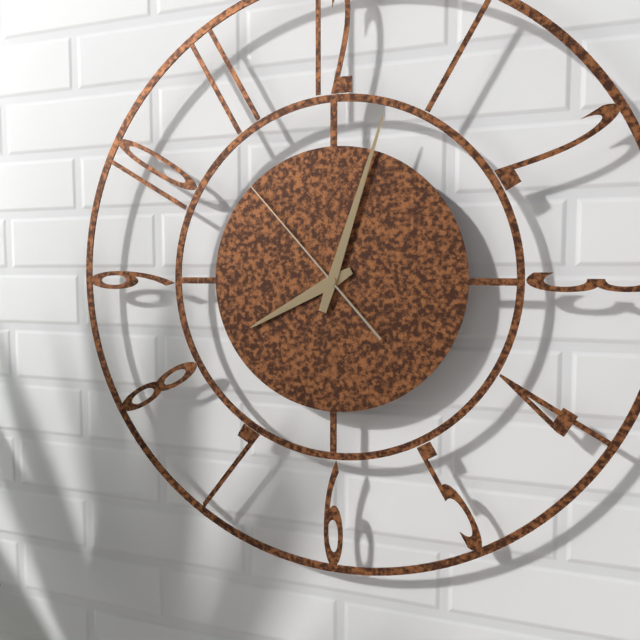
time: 8:03:53
